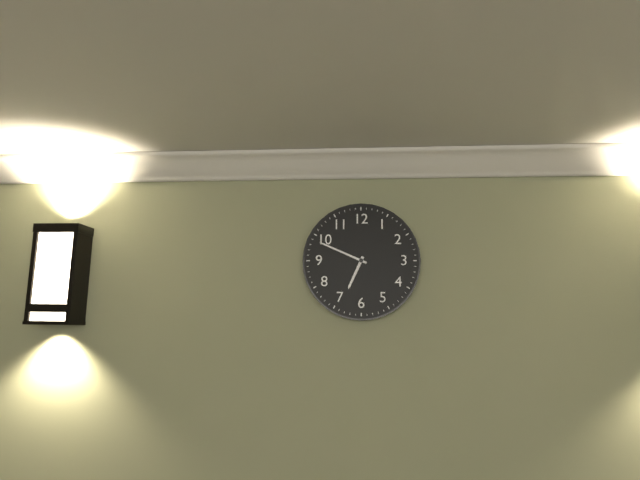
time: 6:49
